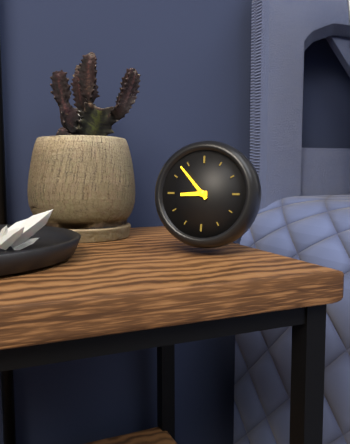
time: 8:53
